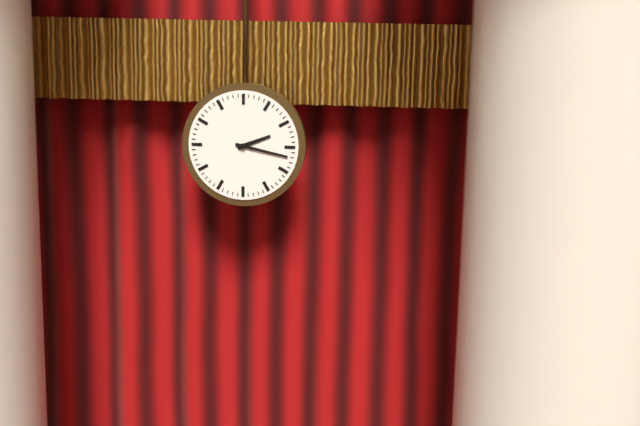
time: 2:17
